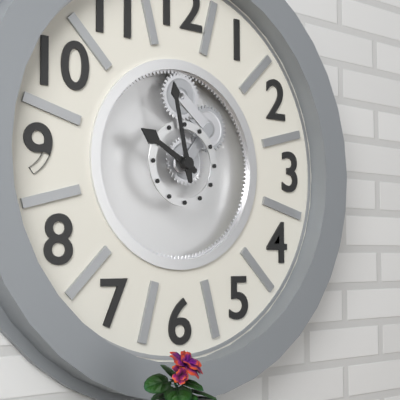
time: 9:58
